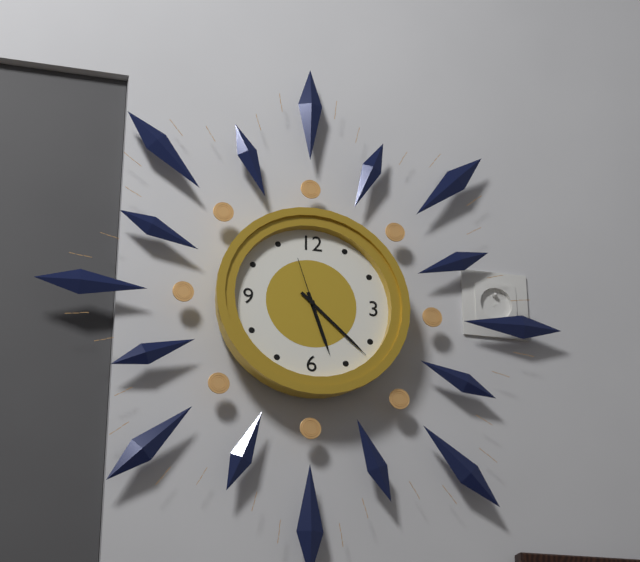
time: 5:22:57
